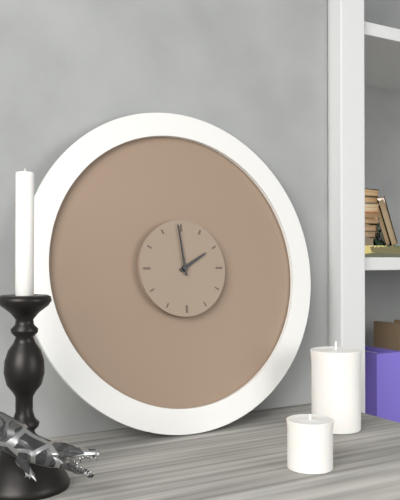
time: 1:59
